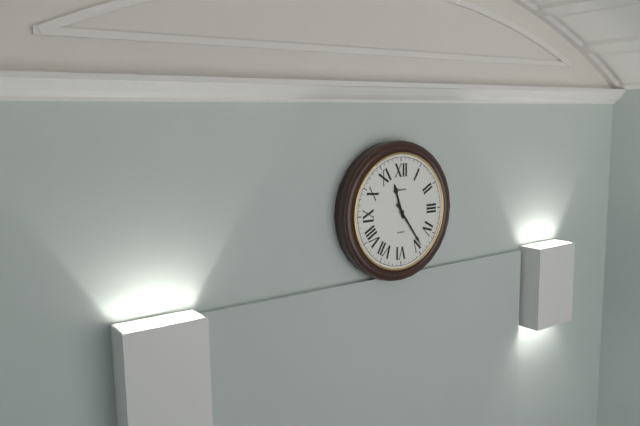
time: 11:24
